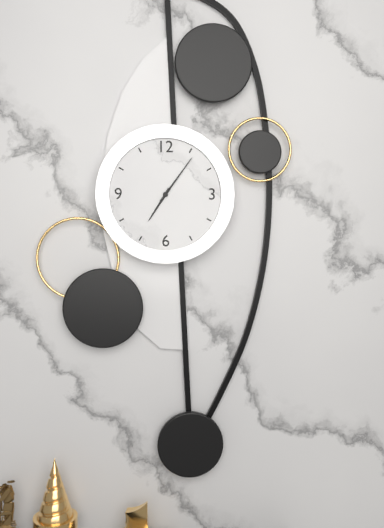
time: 7:06
